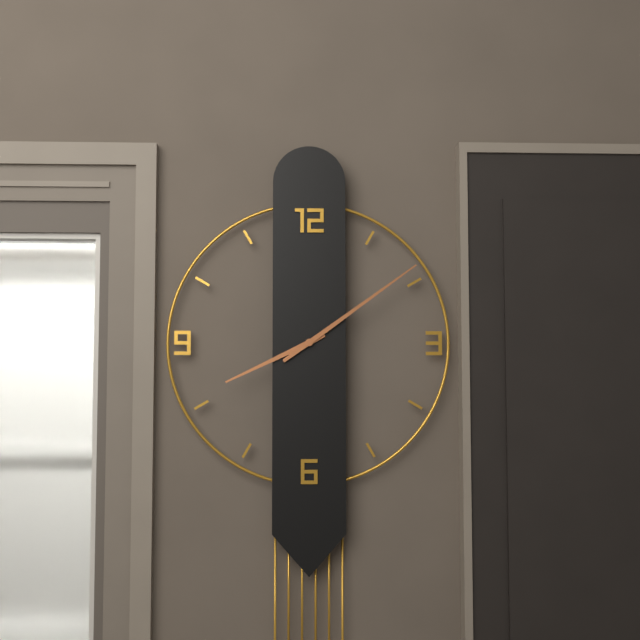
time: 8:09
